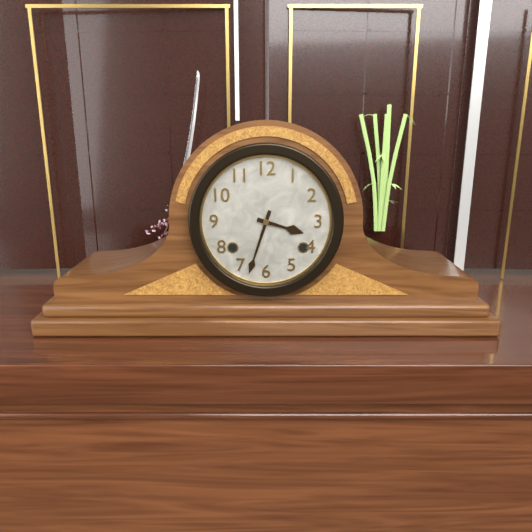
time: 3:33
